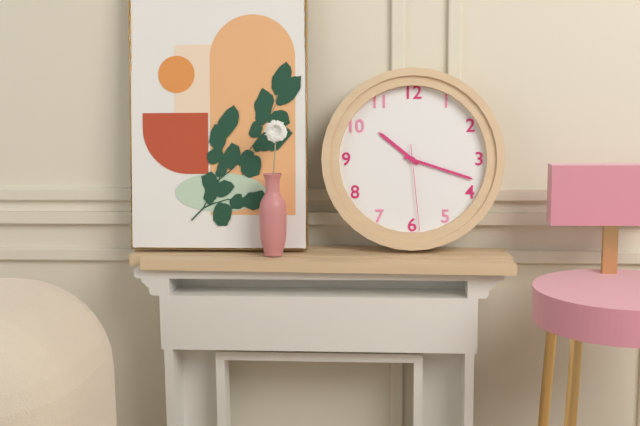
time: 10:18:29
